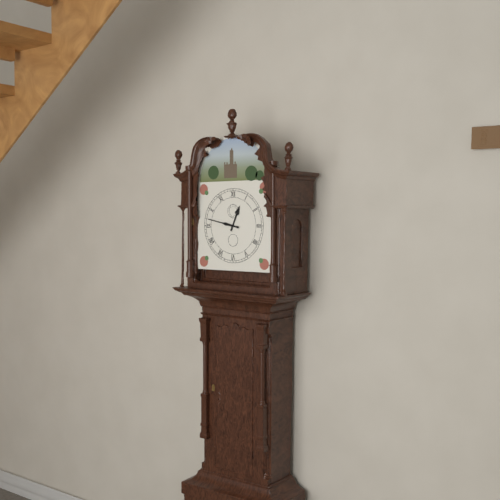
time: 12:47
